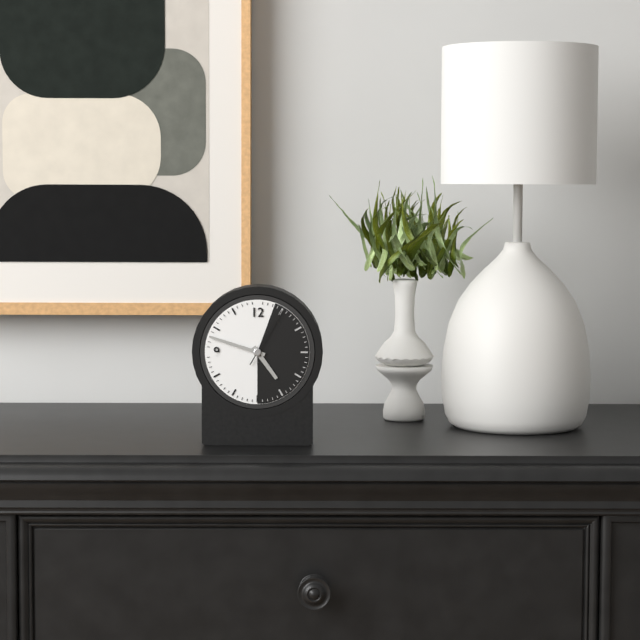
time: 4:48:05
